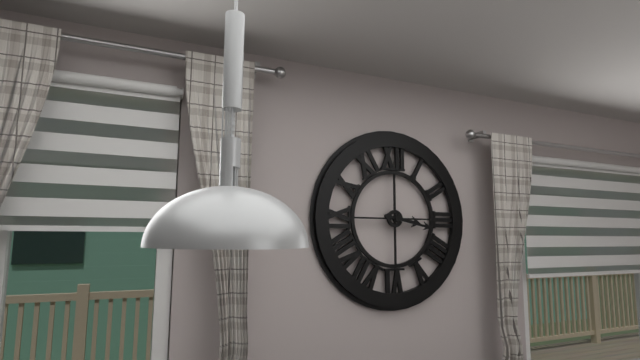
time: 3:17
